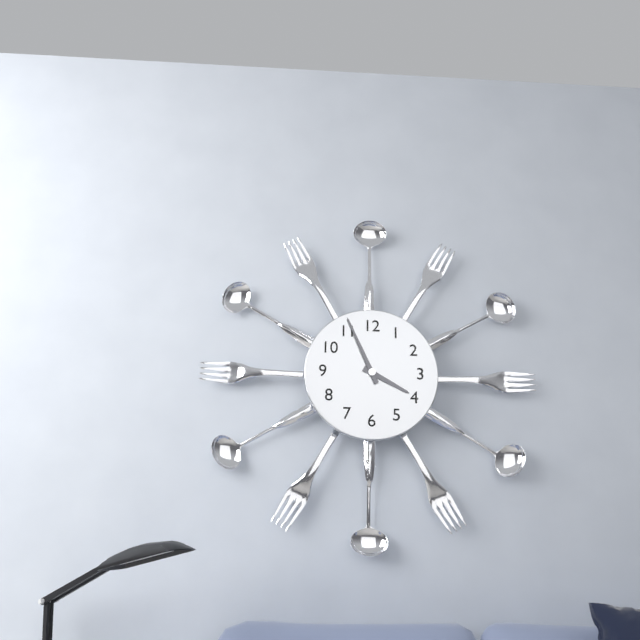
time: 3:56
